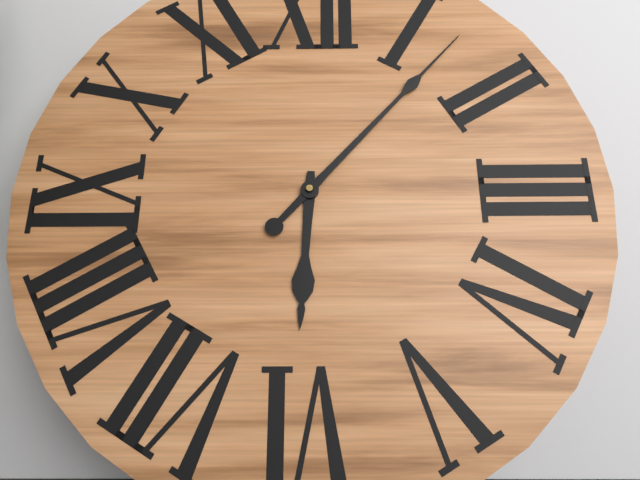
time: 6:07
